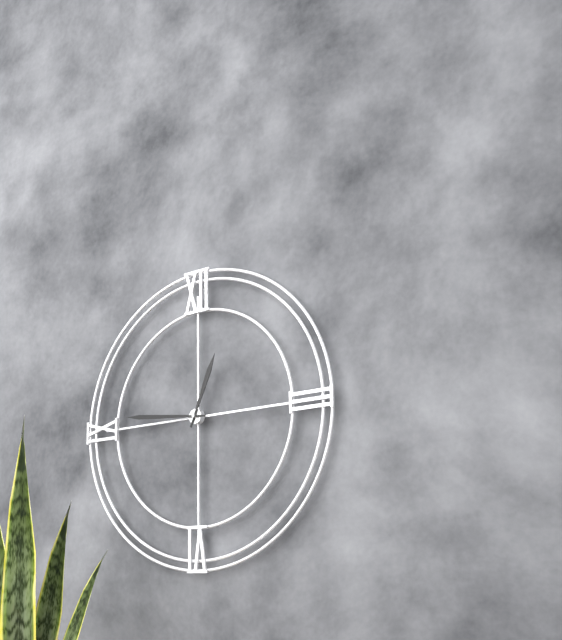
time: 12:46
